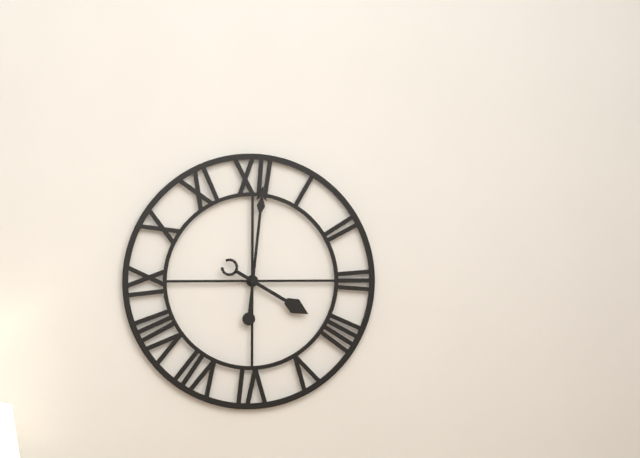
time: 4:01
